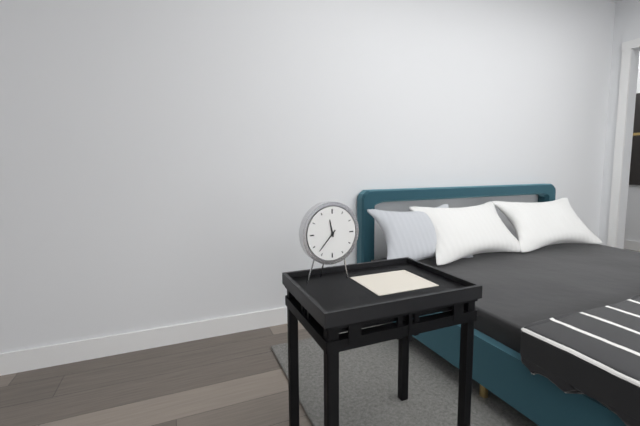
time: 11:37
